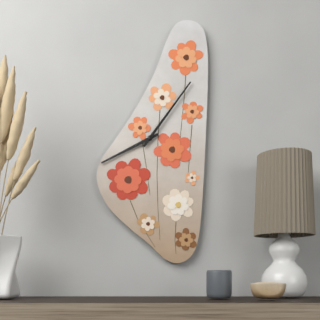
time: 8:06
